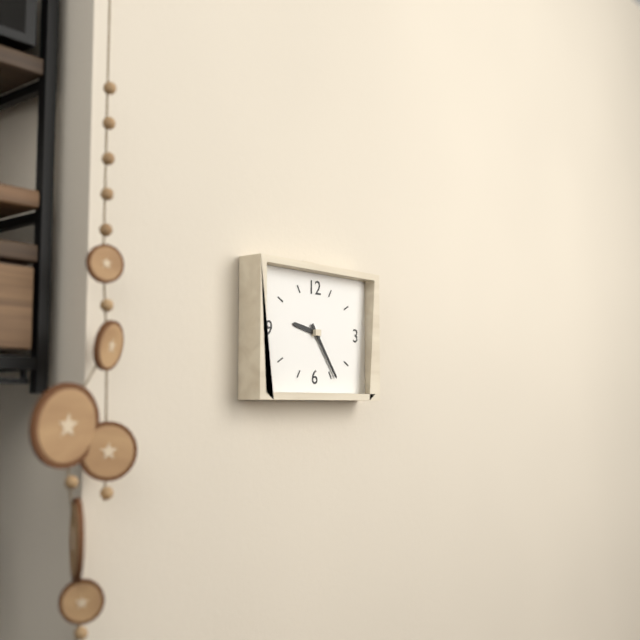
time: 9:24
